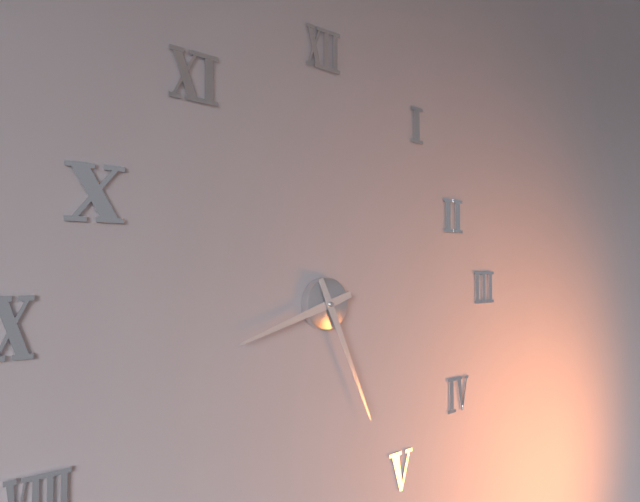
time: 8:26
